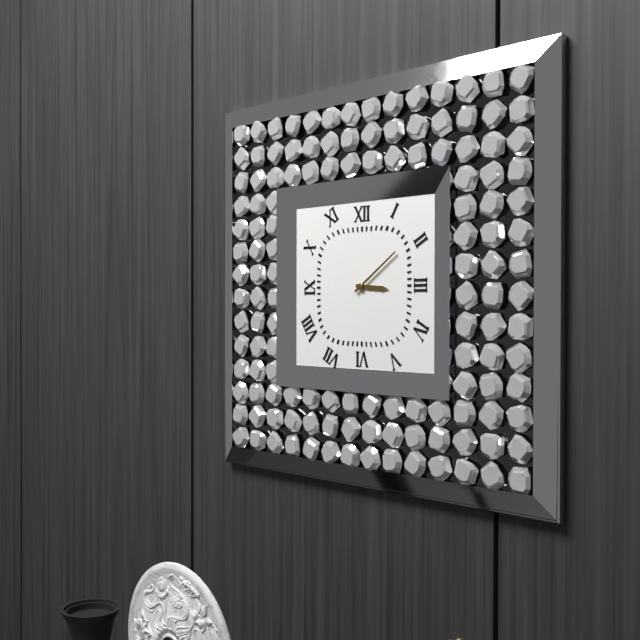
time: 3:09
